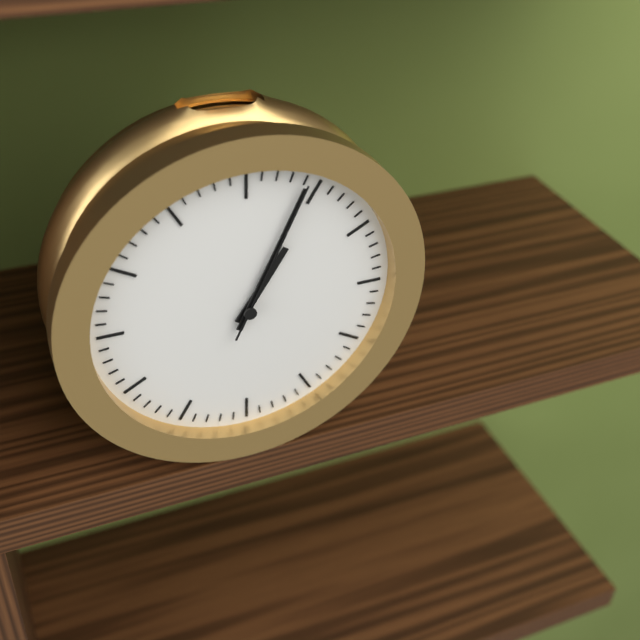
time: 1:04:04
